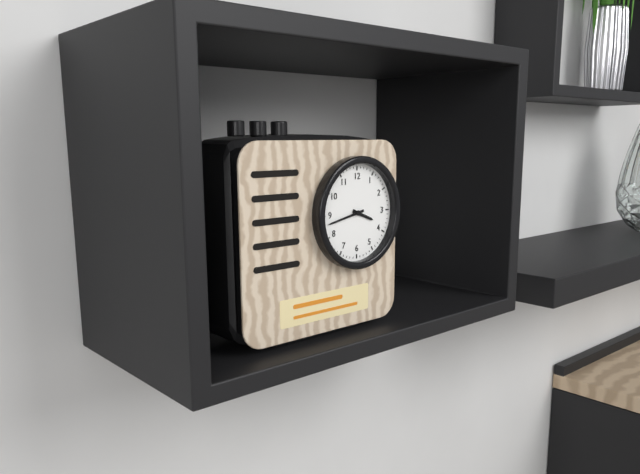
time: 3:43
